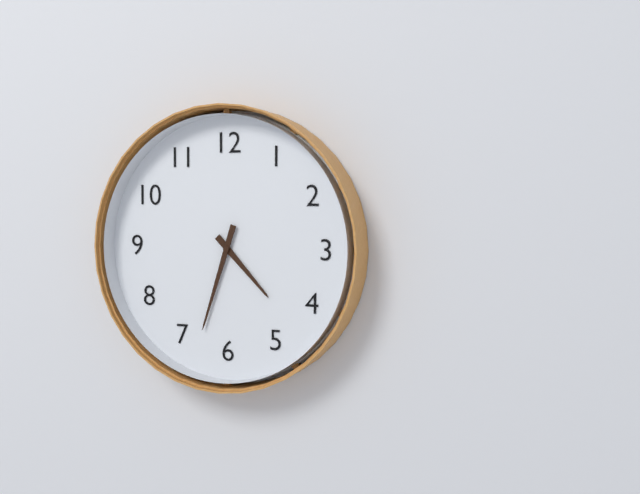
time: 4:33
